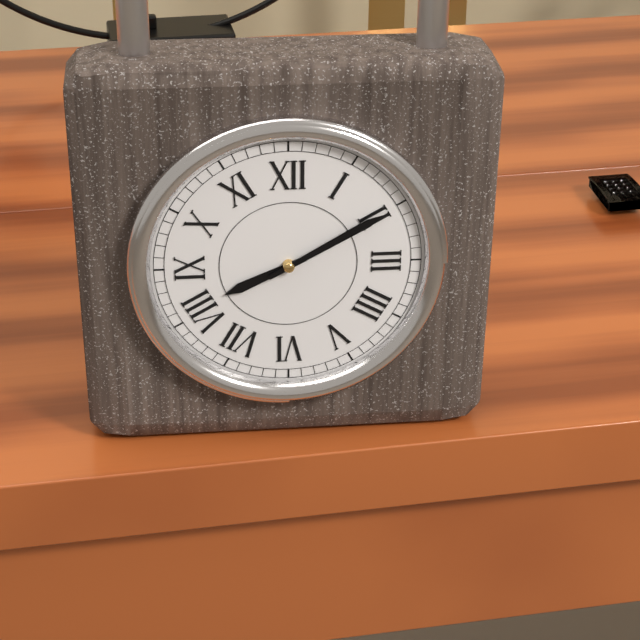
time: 8:10
